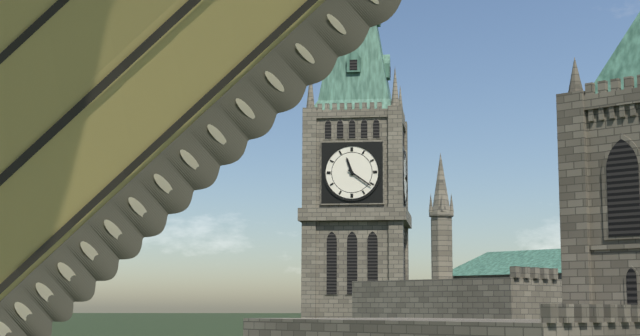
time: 11:21
